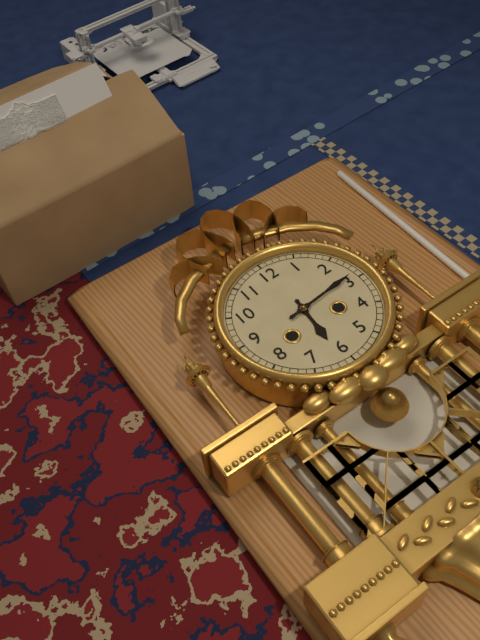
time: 6:14
